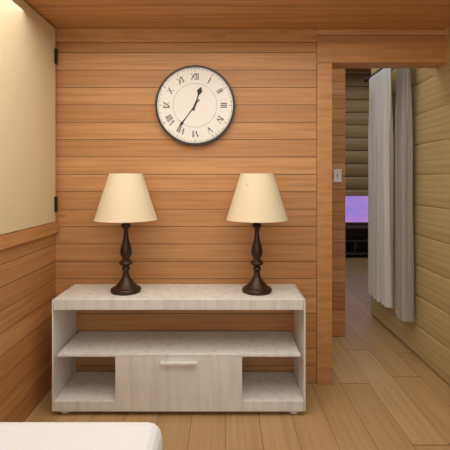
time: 12:36
